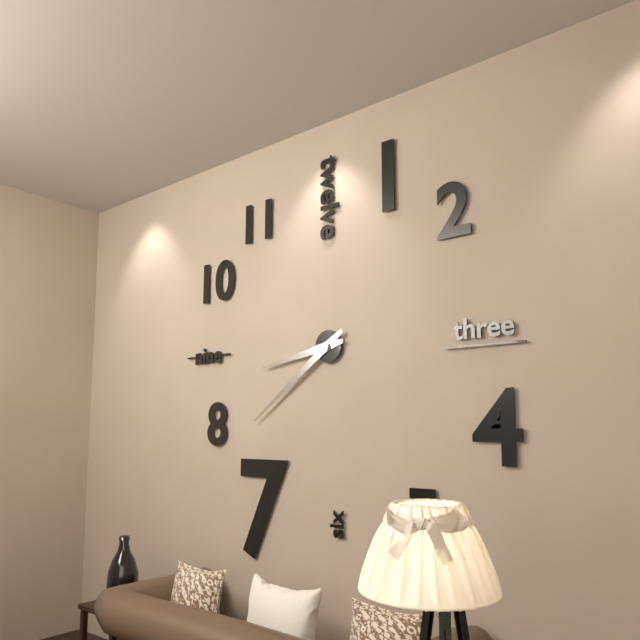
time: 8:39
